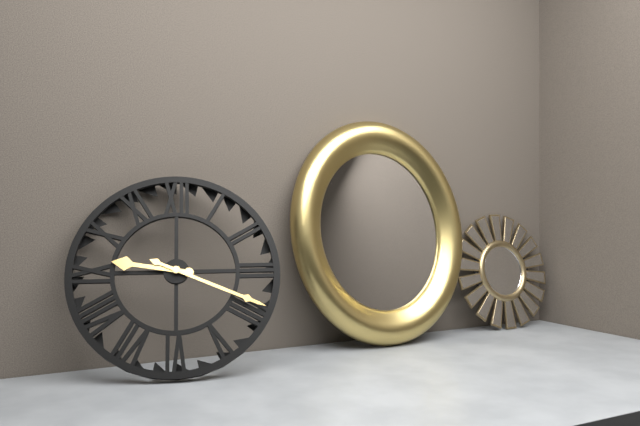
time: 9:19
